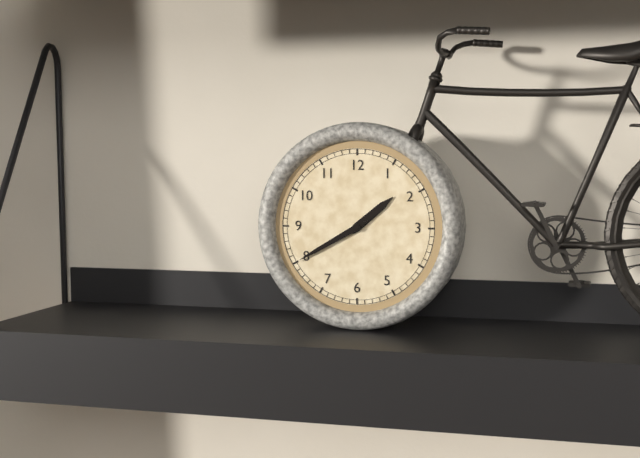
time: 1:40
